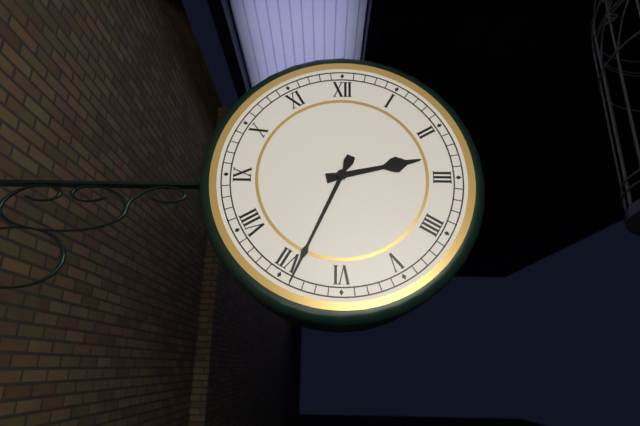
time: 2:34
